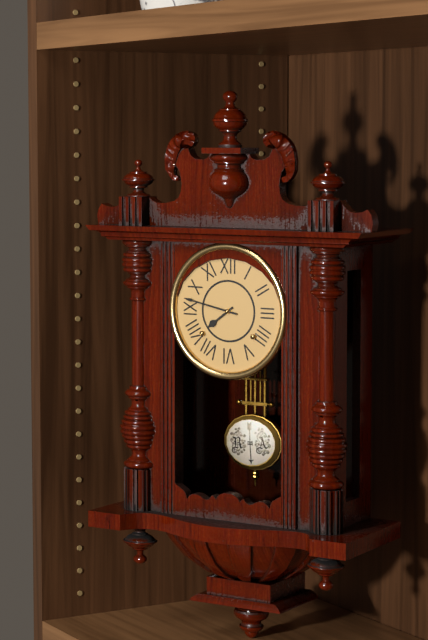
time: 7:47
